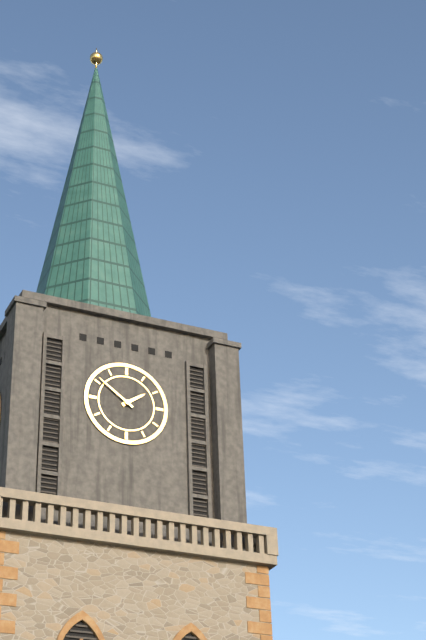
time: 1:51
